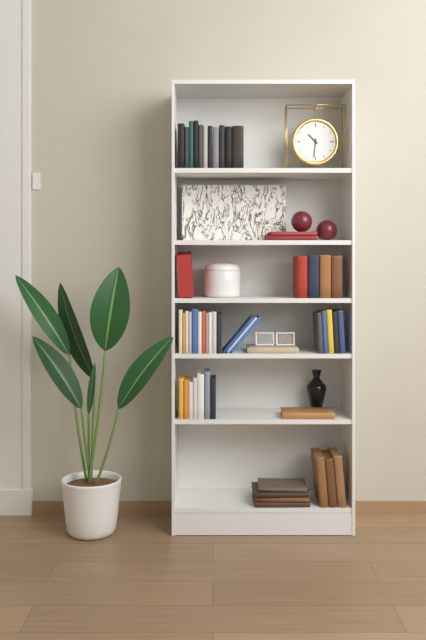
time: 10:31
